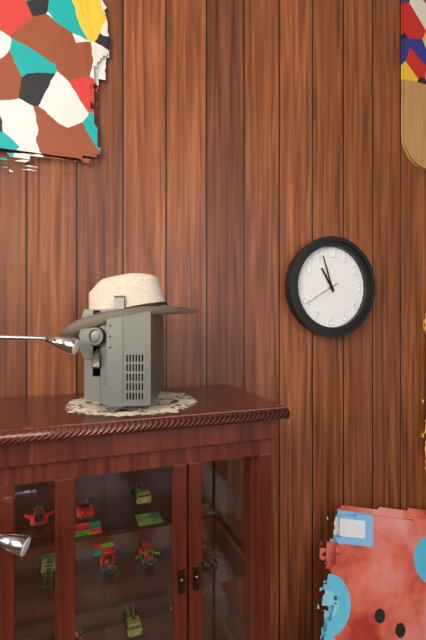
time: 10:57
